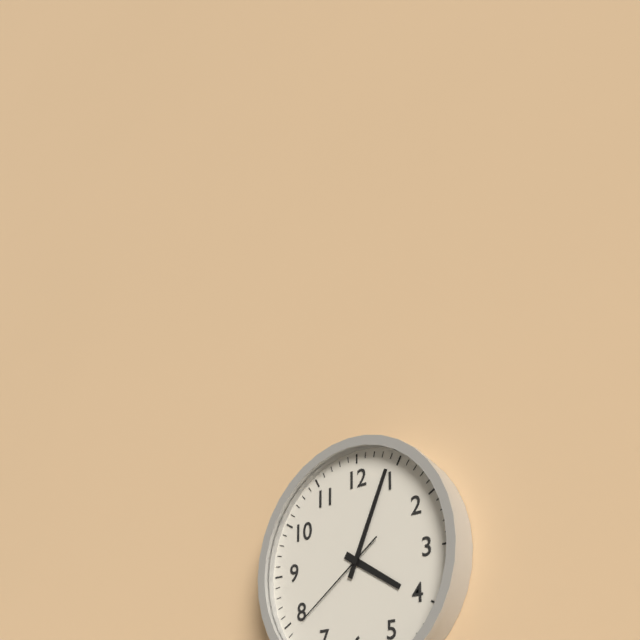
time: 4:04:39
